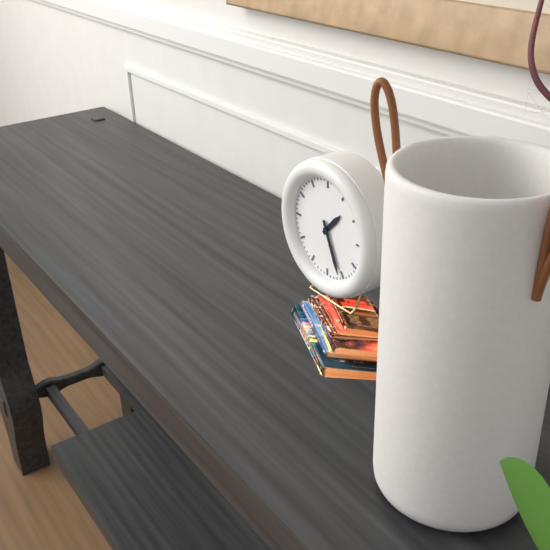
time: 1:26
